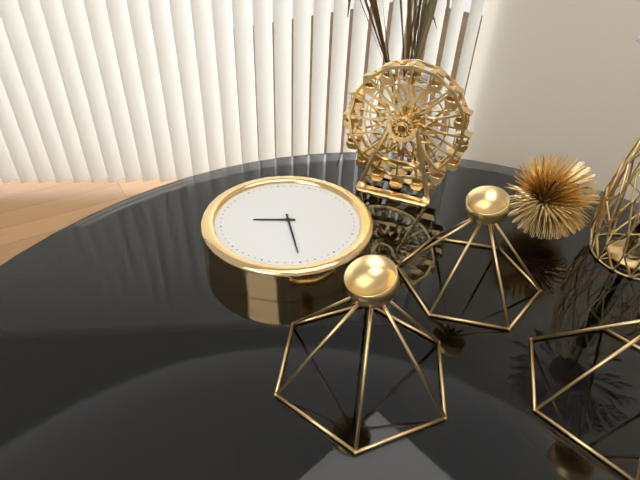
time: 7:20
